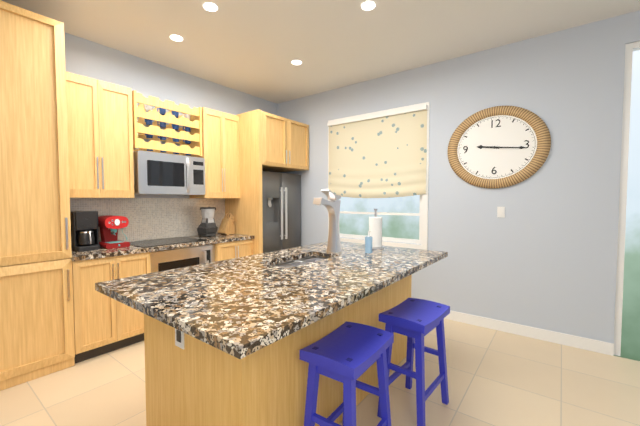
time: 9:16
